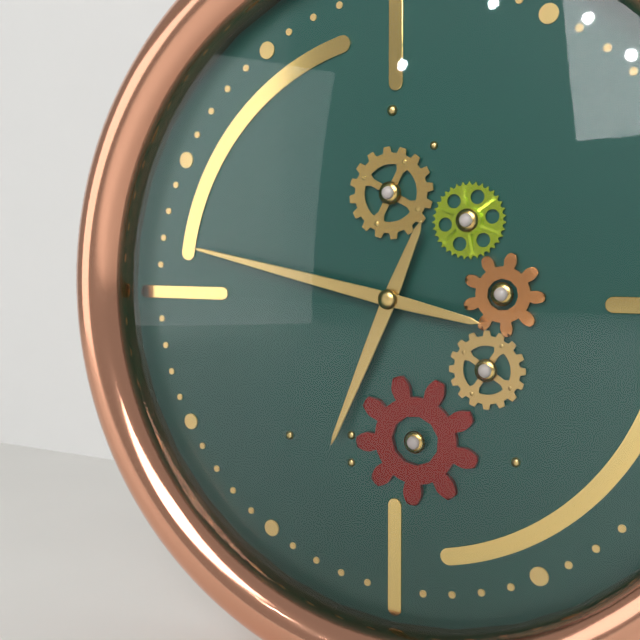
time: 6:47
